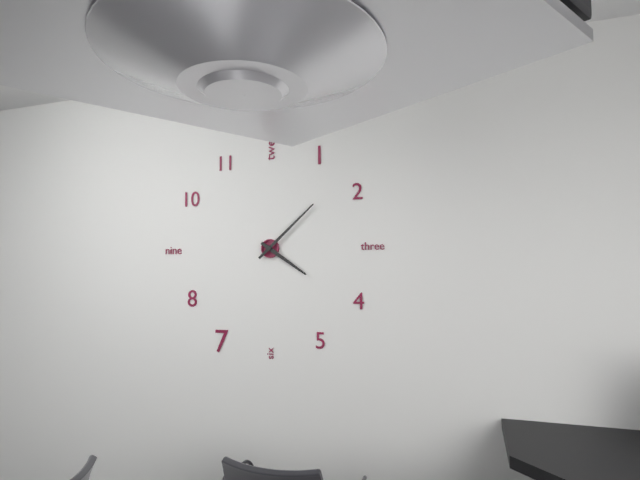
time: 4:08
